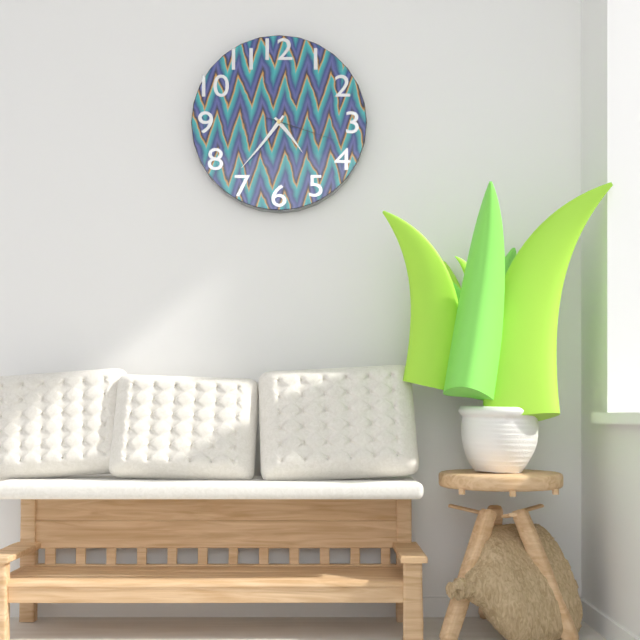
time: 4:36:18
